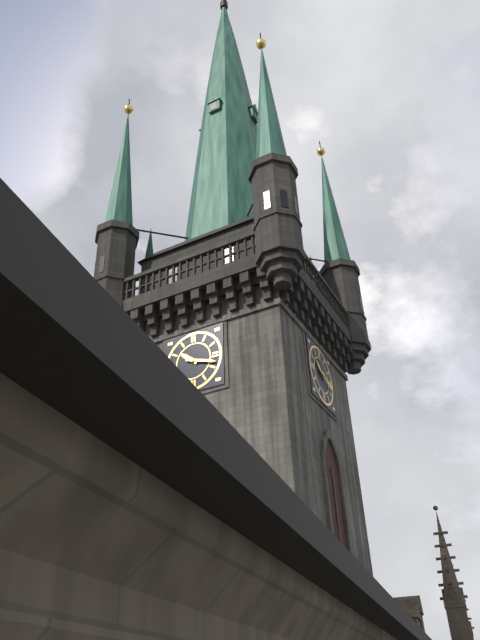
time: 10:18
